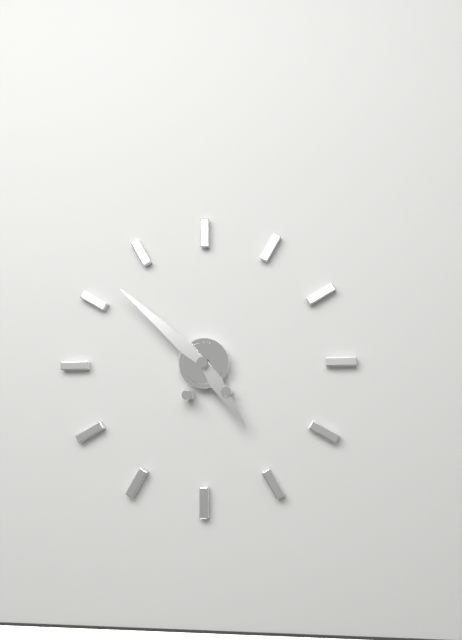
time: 4:52
